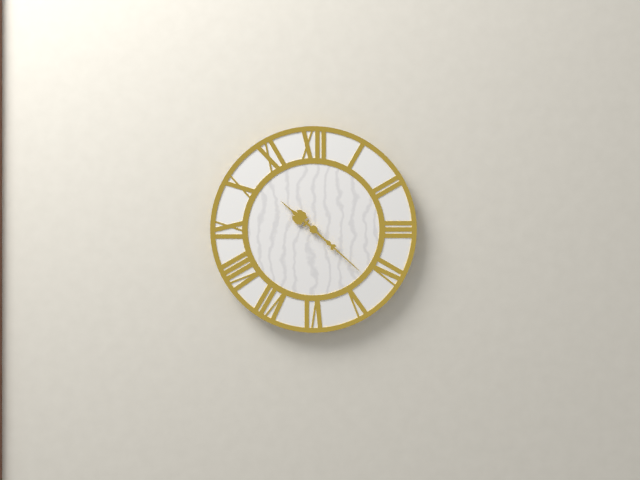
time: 10:22
